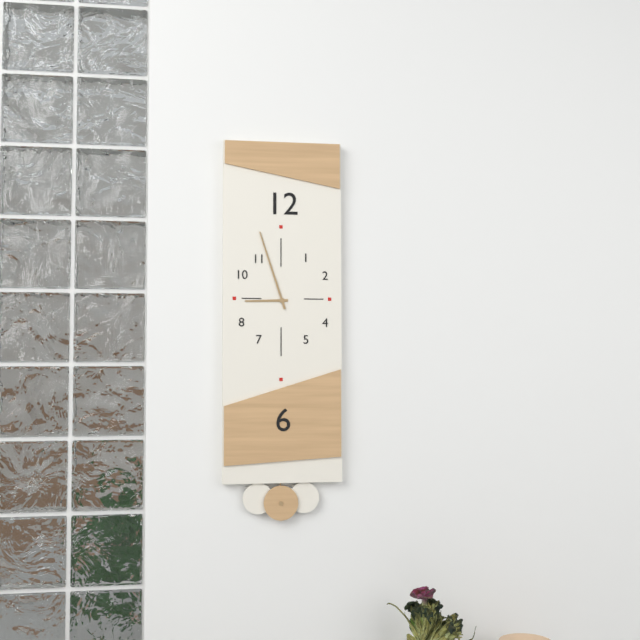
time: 8:57
